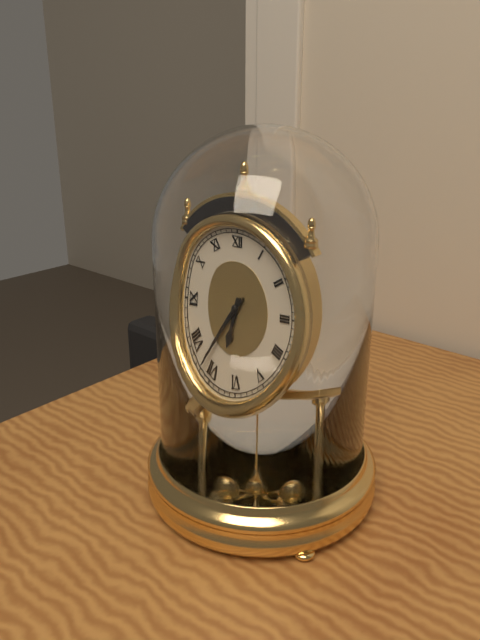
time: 6:37
